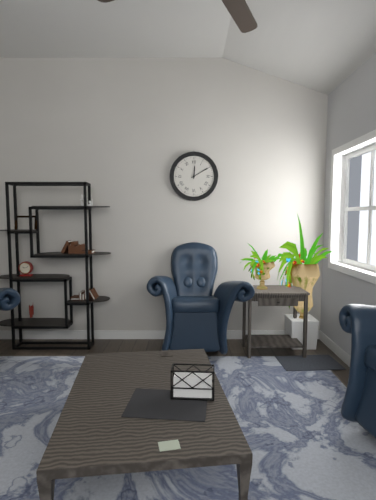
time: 12:10
